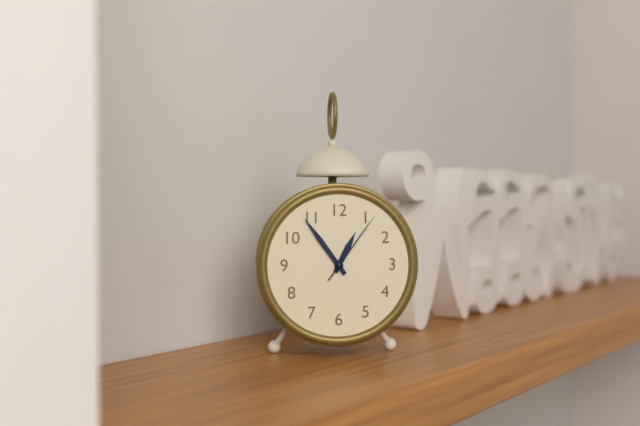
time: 12:54:06
